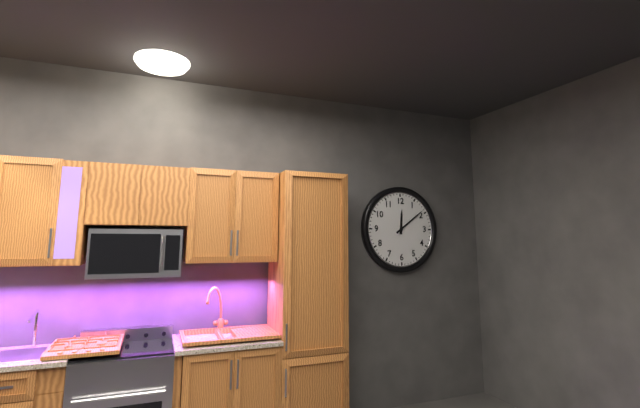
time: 12:09
